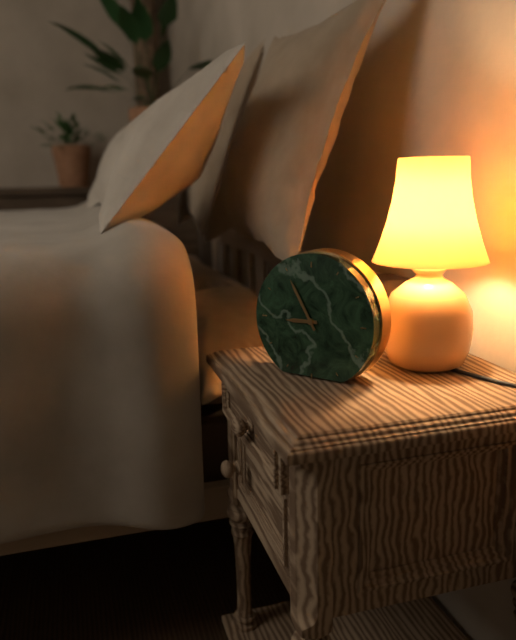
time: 8:55
